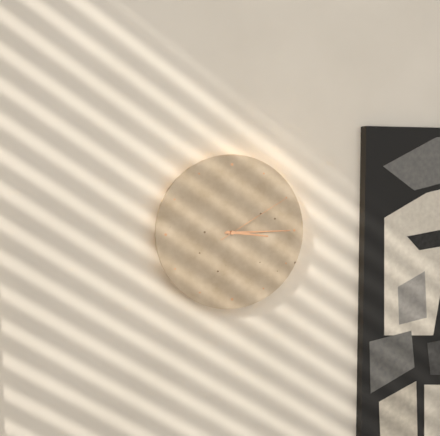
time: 3:15:10
